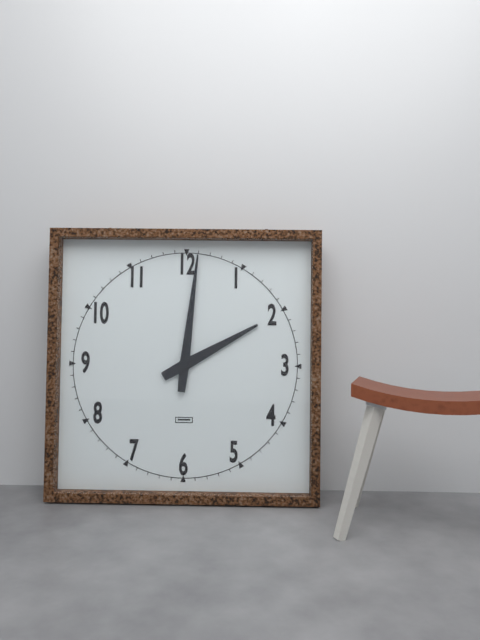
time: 2:01
